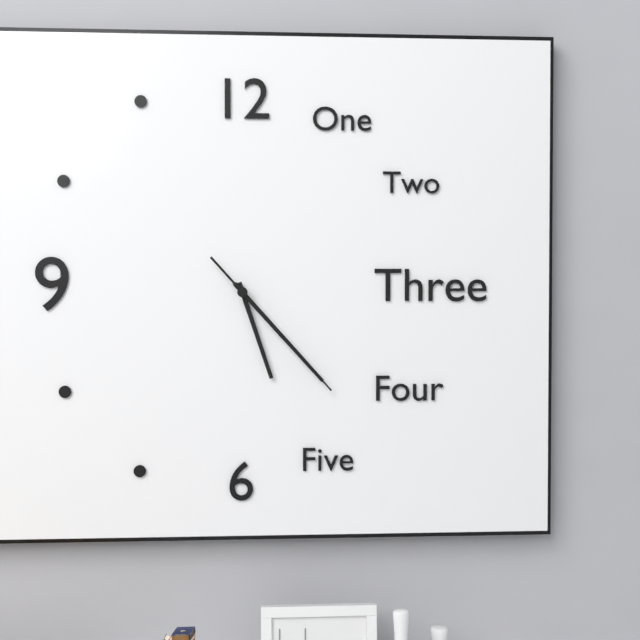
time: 5:23:23
